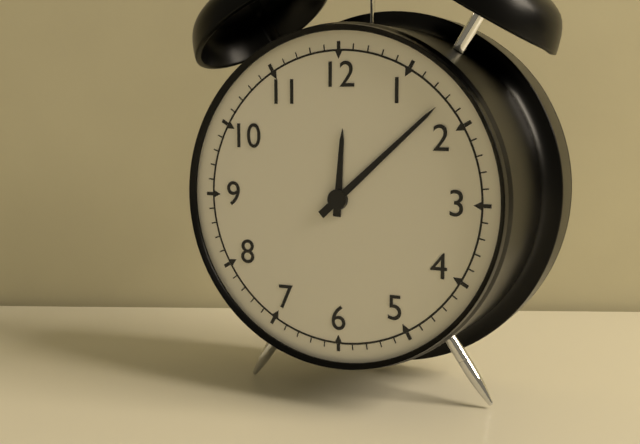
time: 12:08
